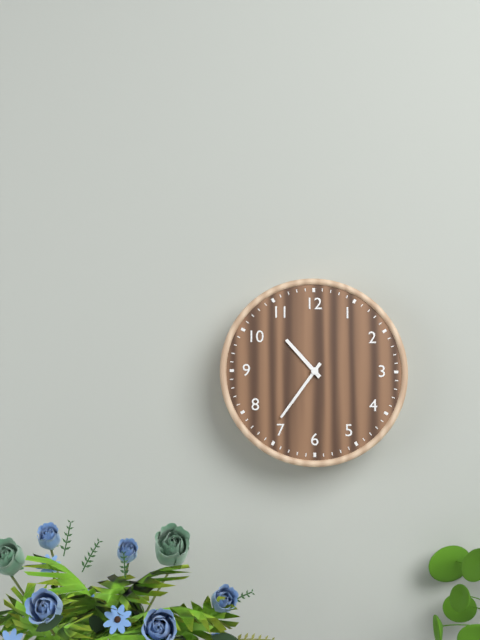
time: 10:36
